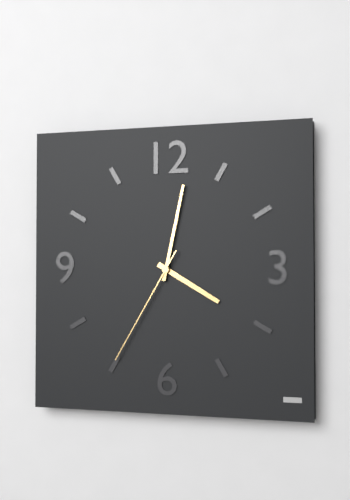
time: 4:02:35
